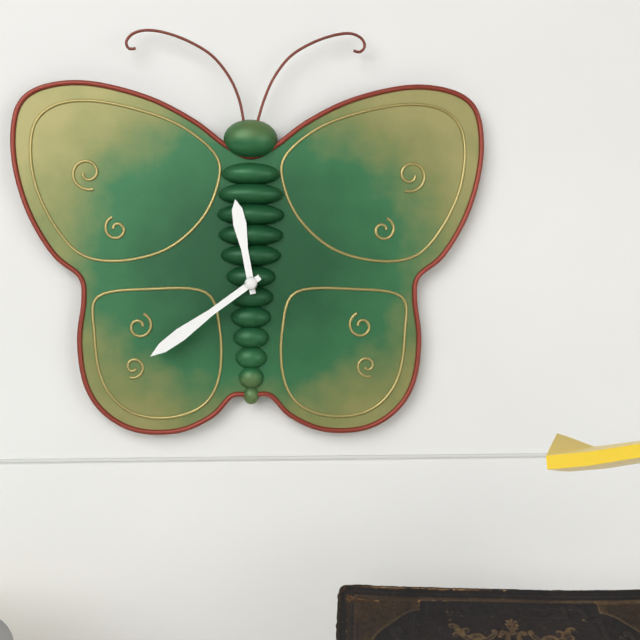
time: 11:39
